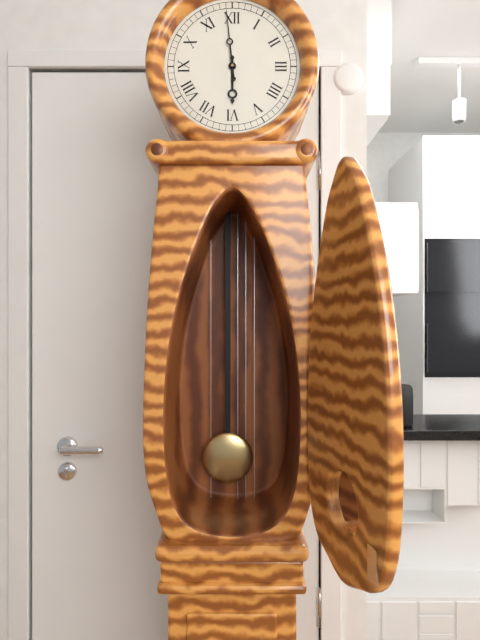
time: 5:59
